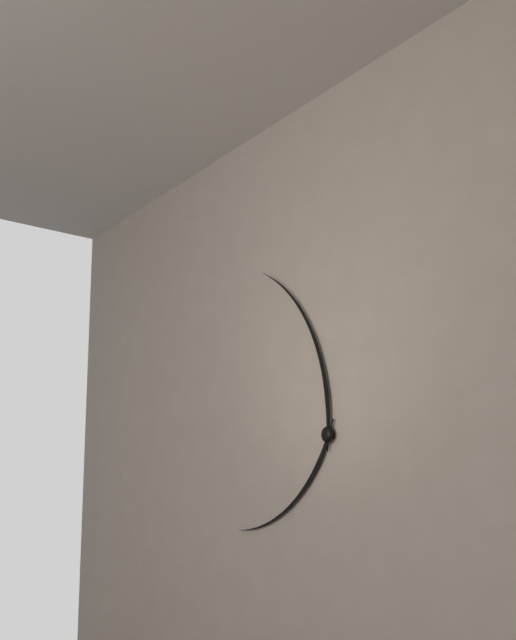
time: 7:55
